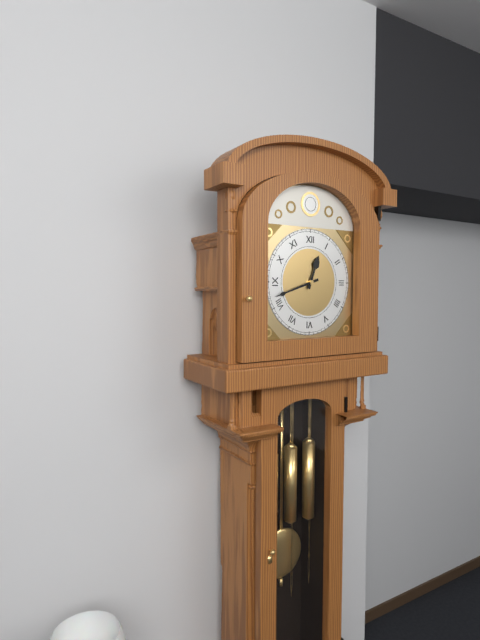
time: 12:42
